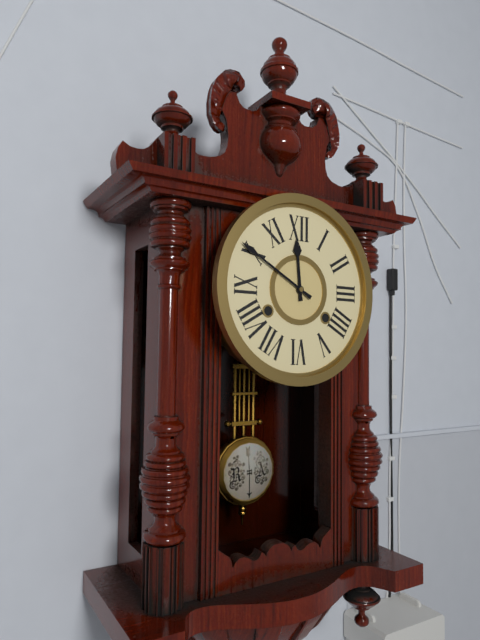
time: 11:50
